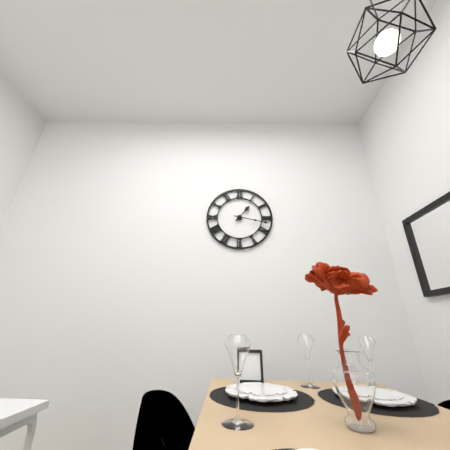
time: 1:17
